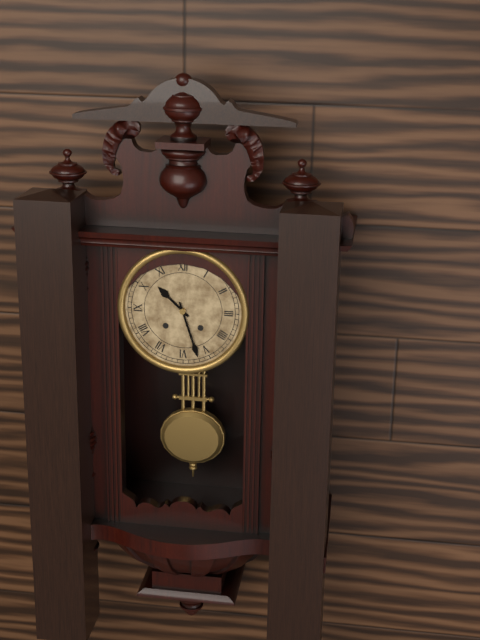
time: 10:27
